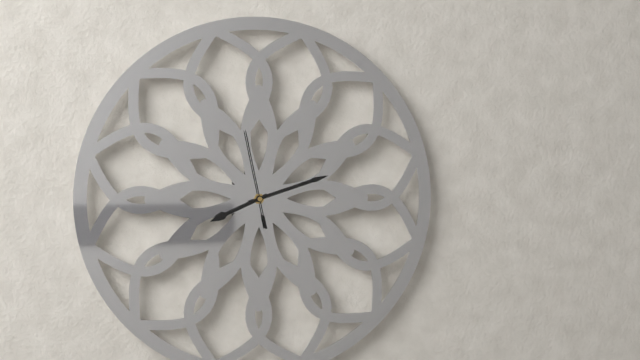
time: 8:12:58
